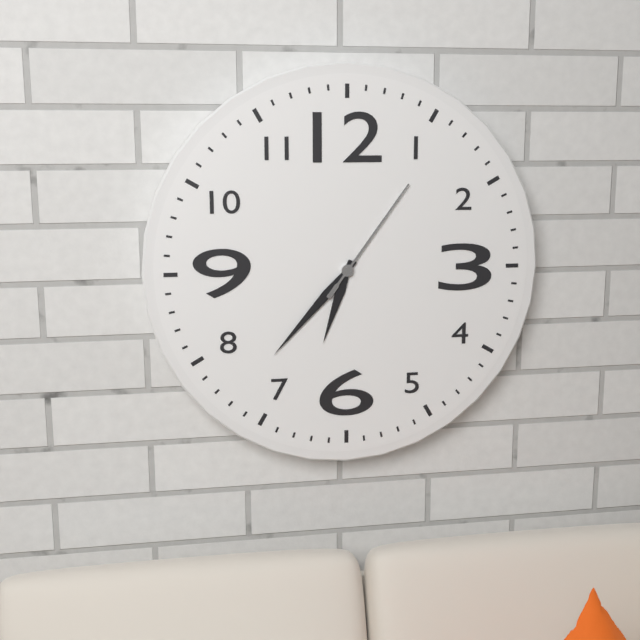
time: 6:37:06
